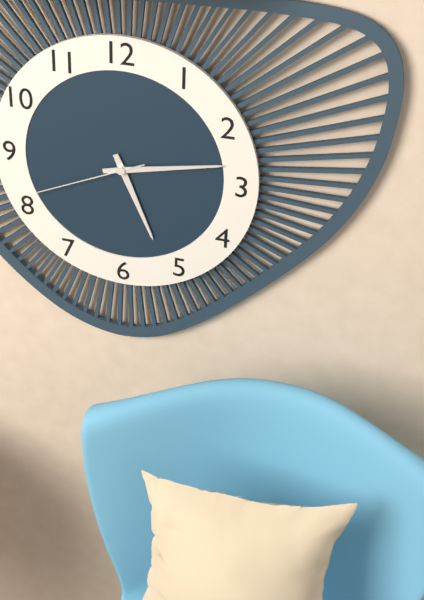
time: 5:13:41
